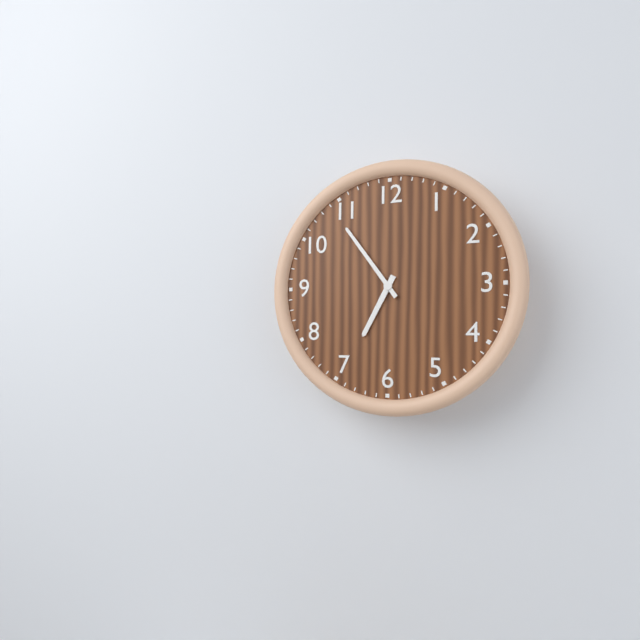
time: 6:54
